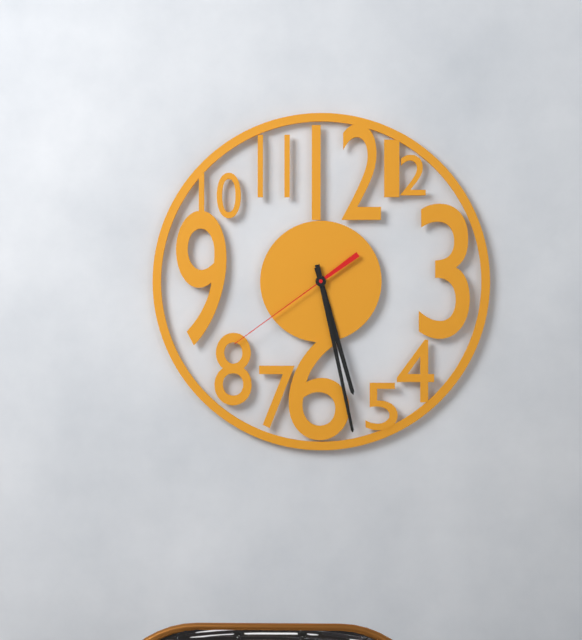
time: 5:28:39
